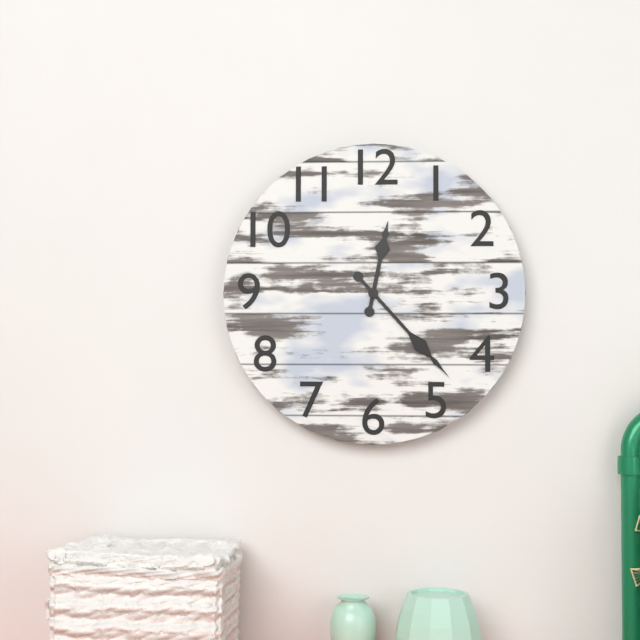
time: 12:23
